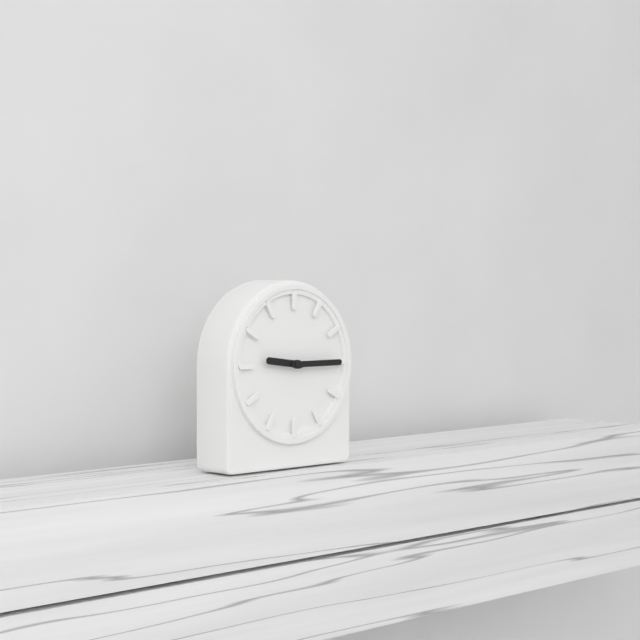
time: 9:15
